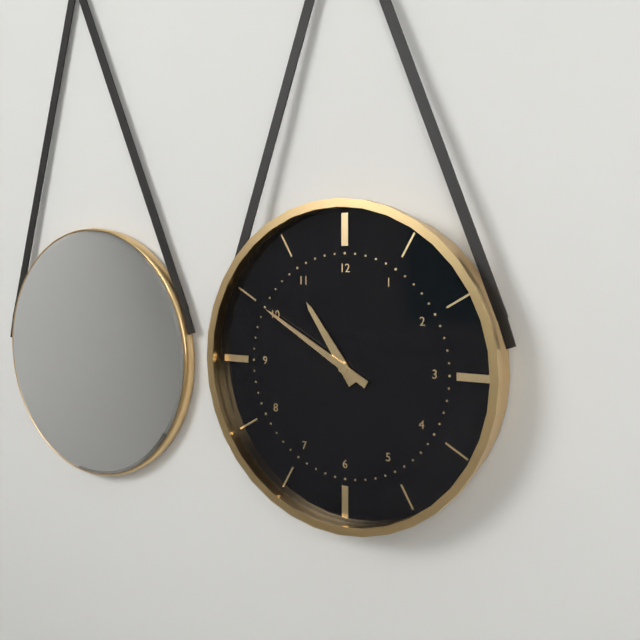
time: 10:50
